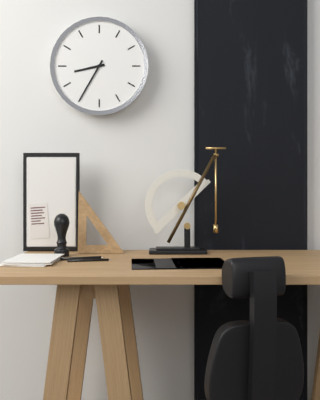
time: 8:35
